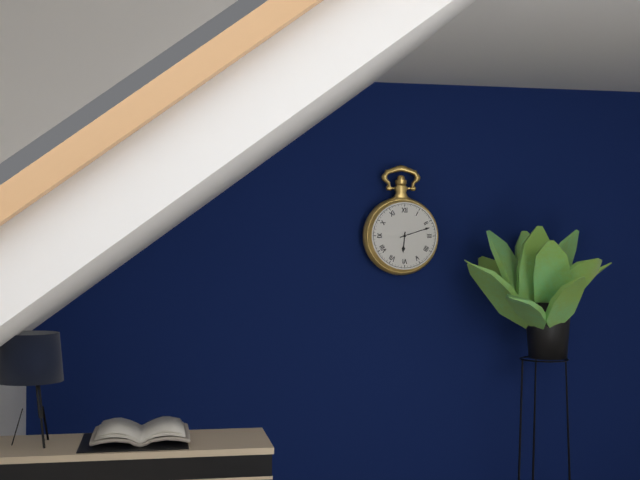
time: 6:12
